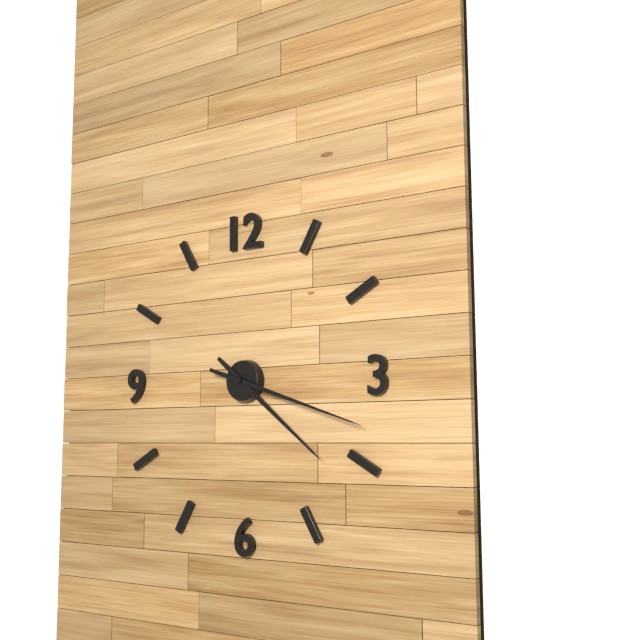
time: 4:18
